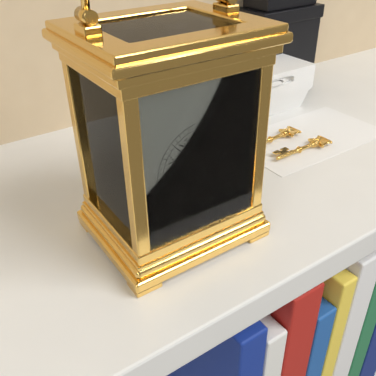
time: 10:53
